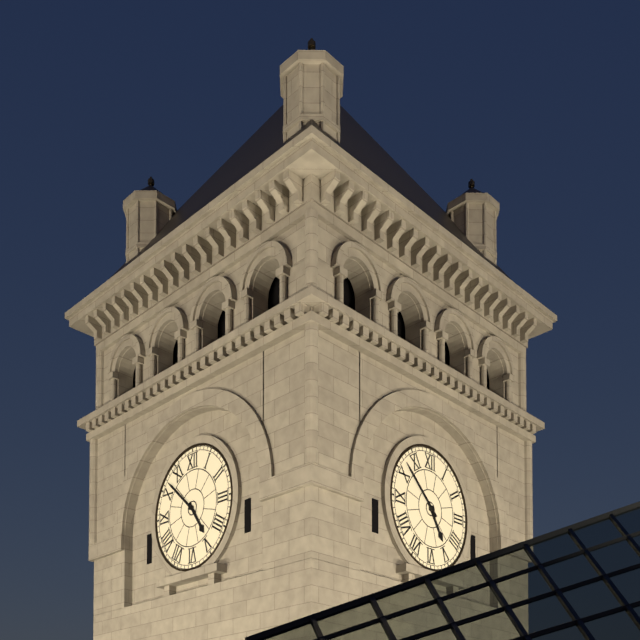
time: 4:52
